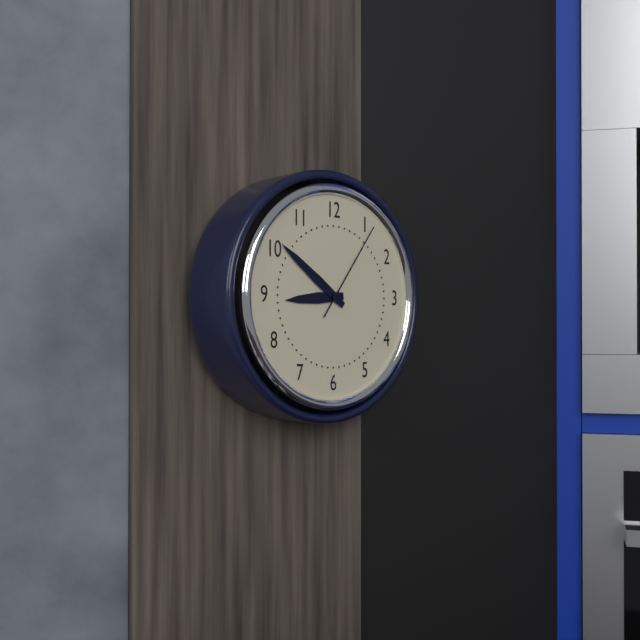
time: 8:51:06
